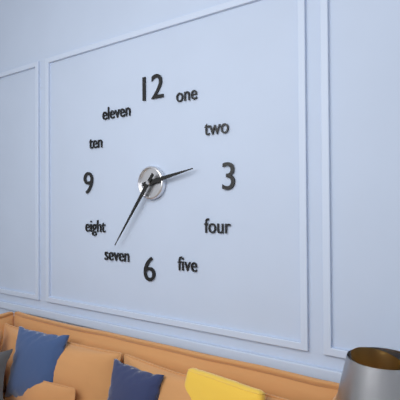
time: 2:36
